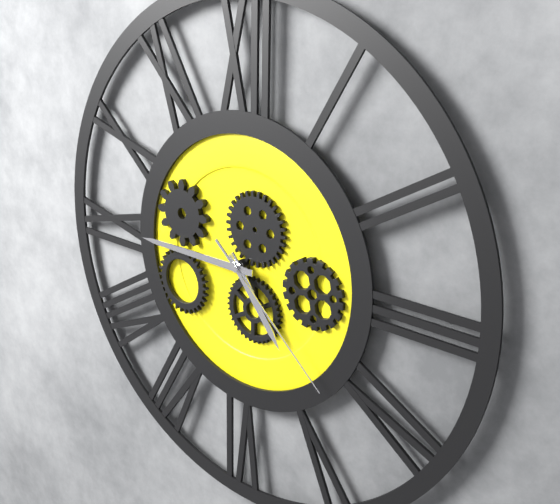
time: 4:45:22
